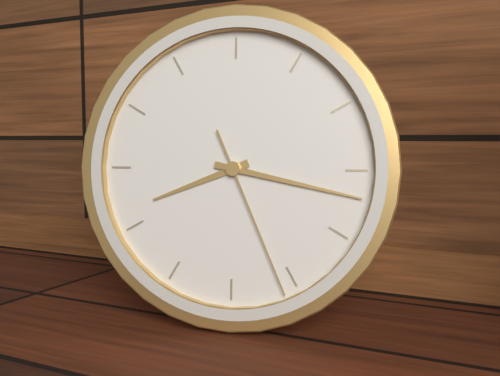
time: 8:17:26
